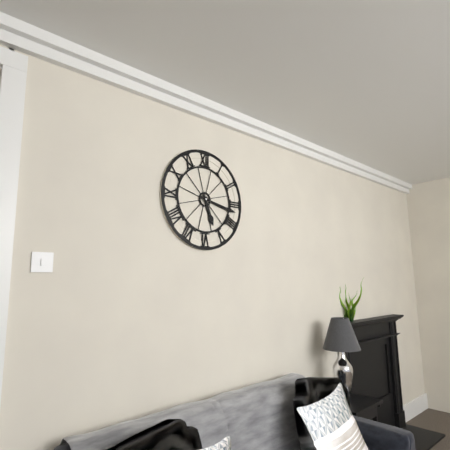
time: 5:17
